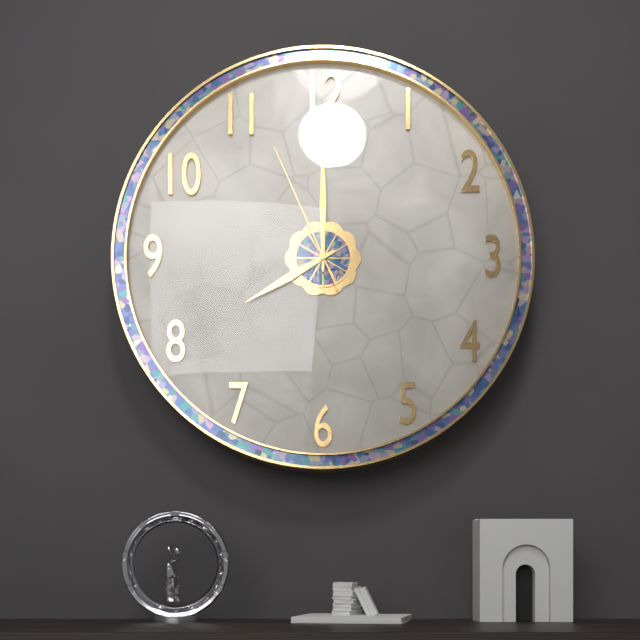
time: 8:00:56
